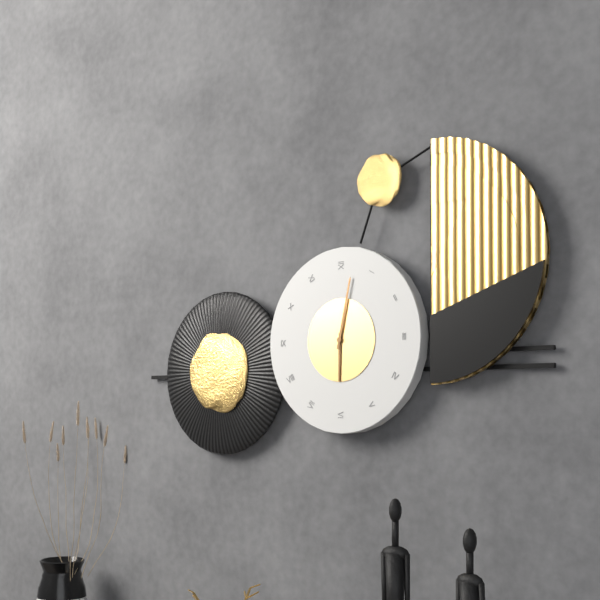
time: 6:02
